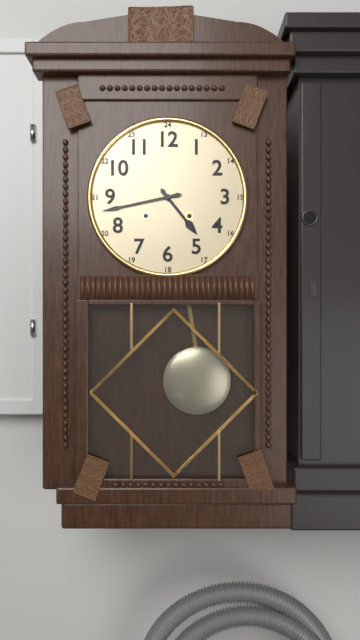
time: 4:43
